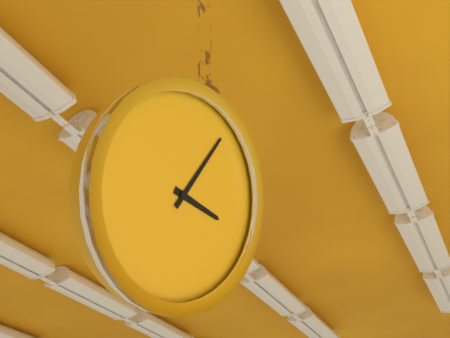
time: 3:03
